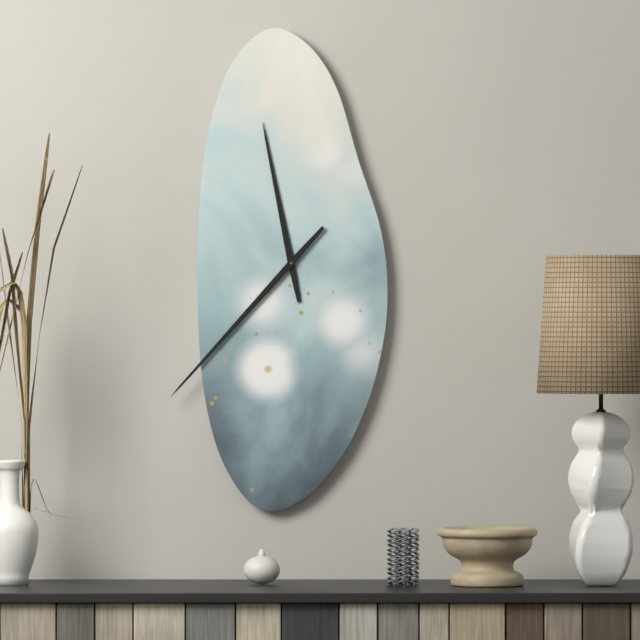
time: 11:37
